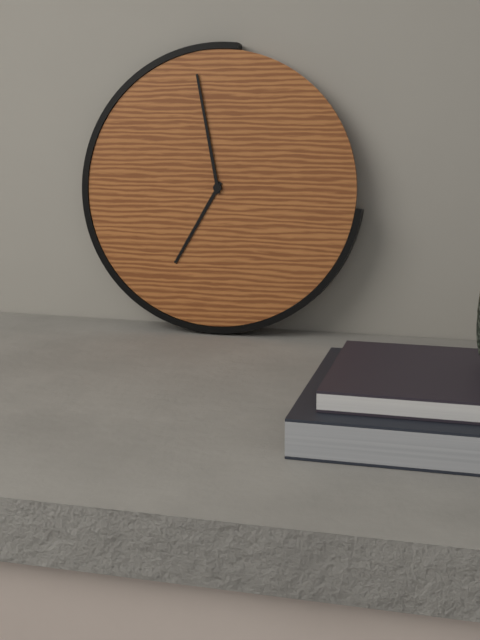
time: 6:58
